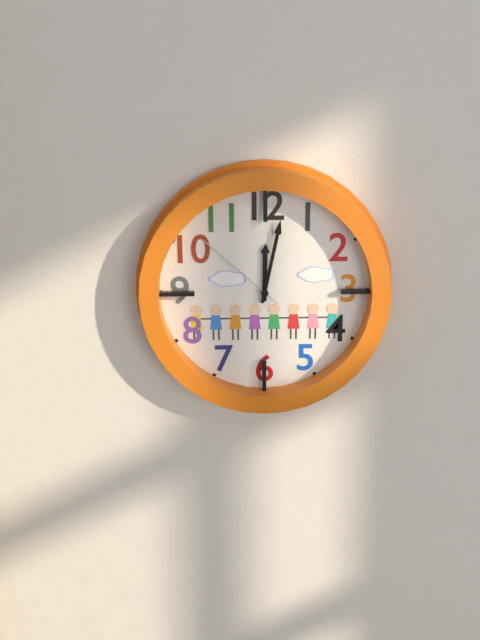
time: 12:02:52
